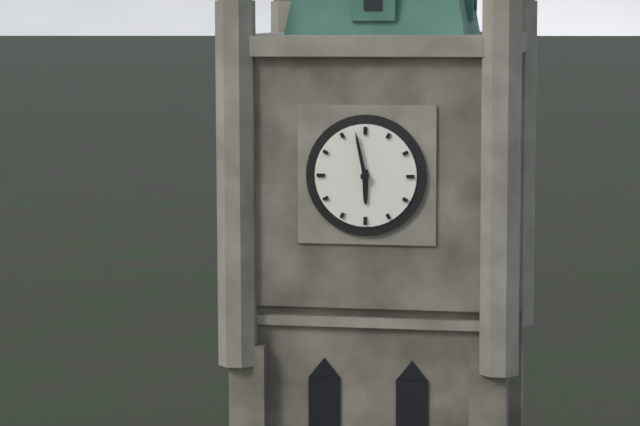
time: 5:58
